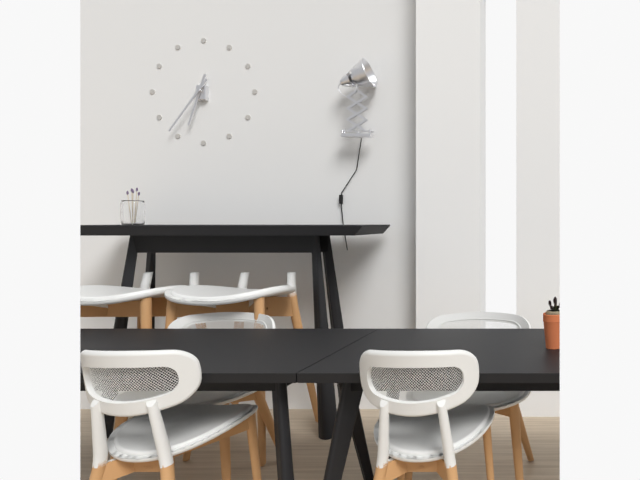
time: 6:36
